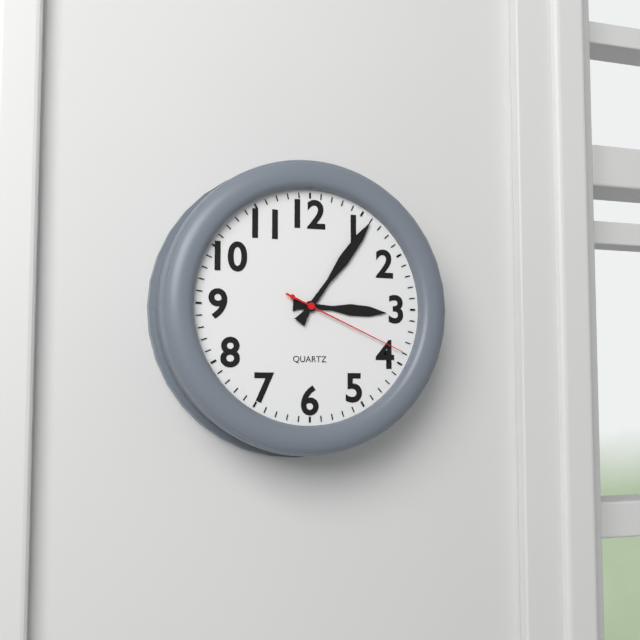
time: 3:06:19
